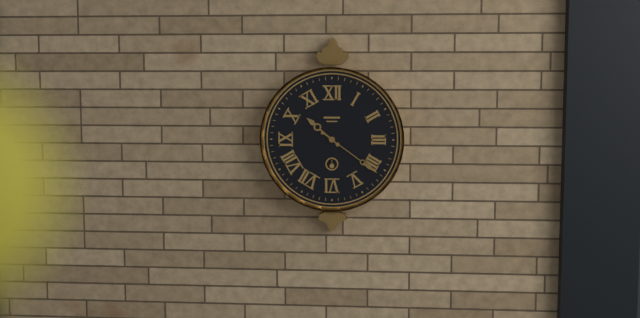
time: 10:21
